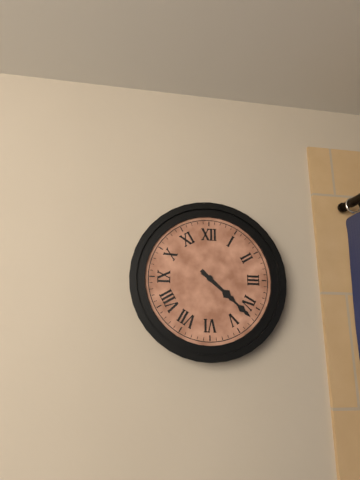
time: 4:22
